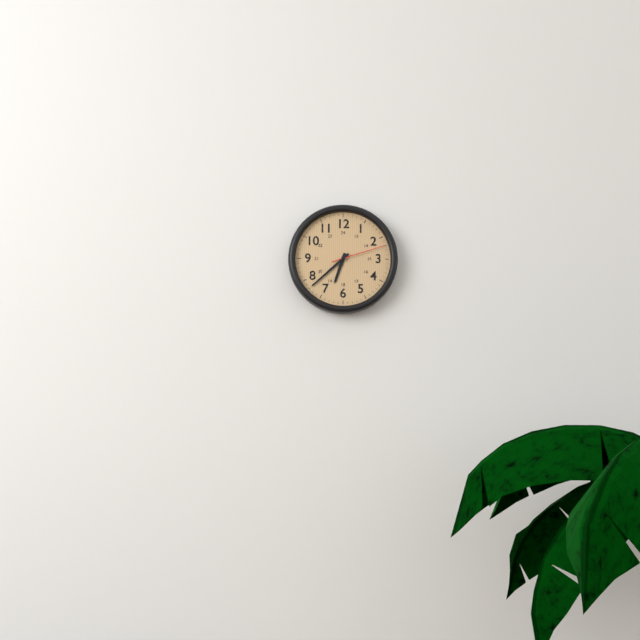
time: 6:38:12
